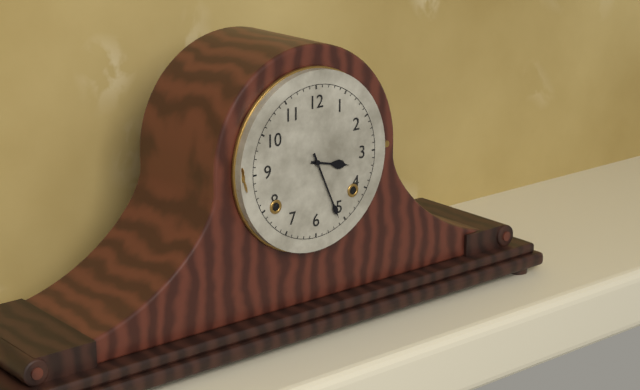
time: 3:26
